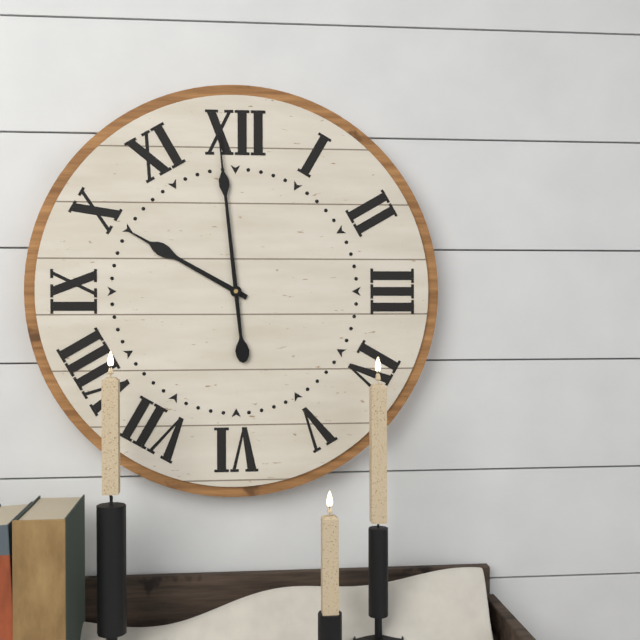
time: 9:59
